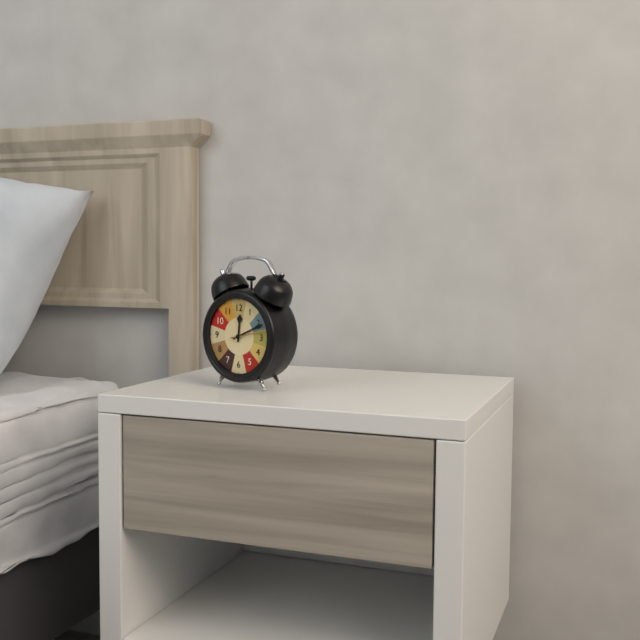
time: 12:11
